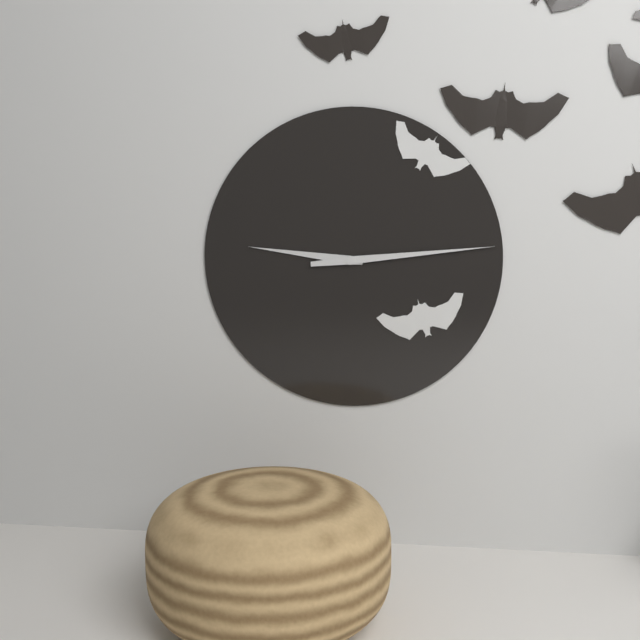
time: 9:14
